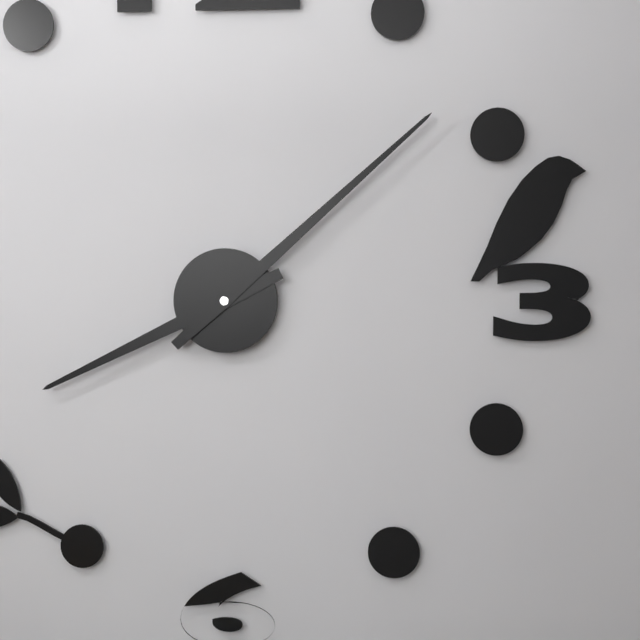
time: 8:08
